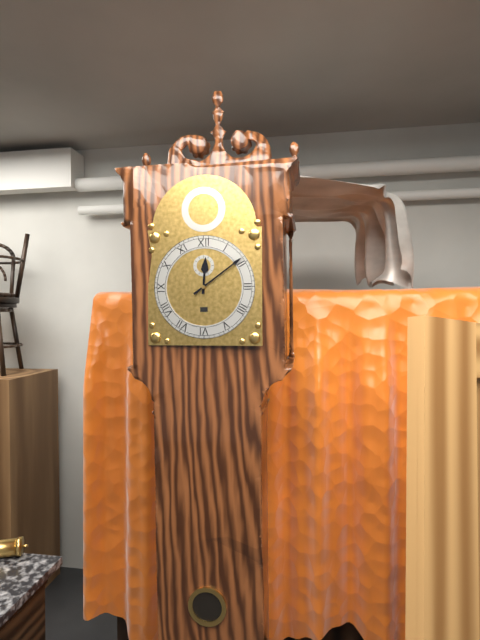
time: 12:09
